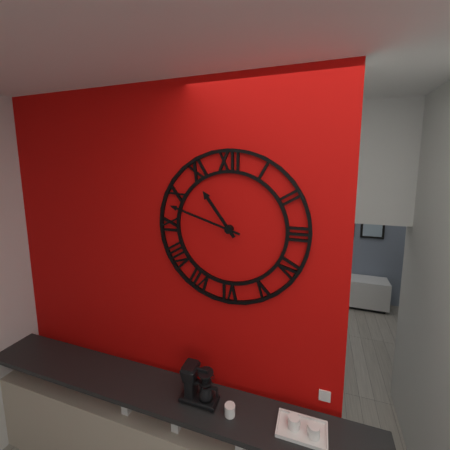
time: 10:48
